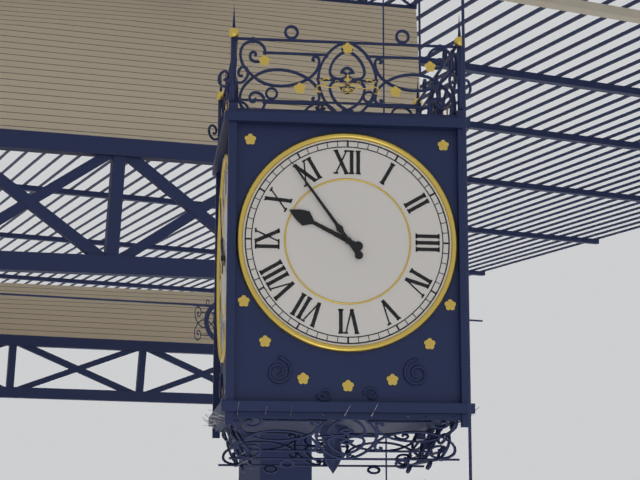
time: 9:54
